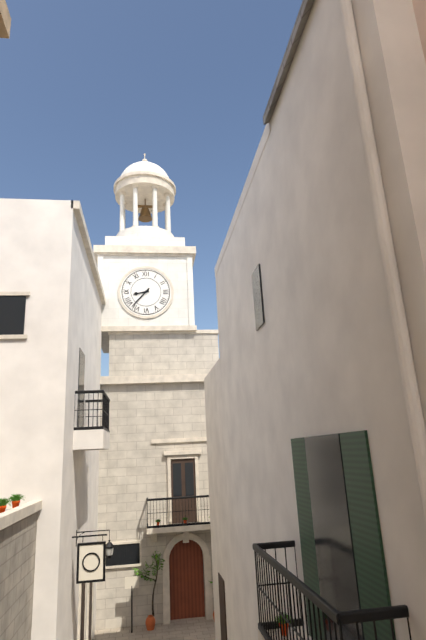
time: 8:37
